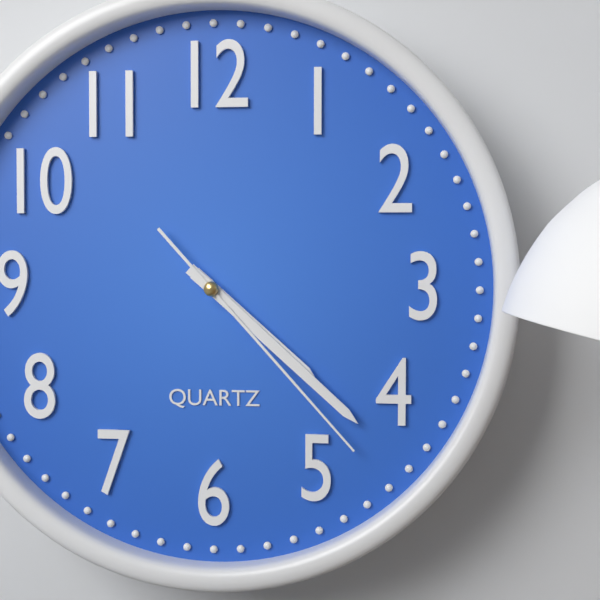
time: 4:22:23
